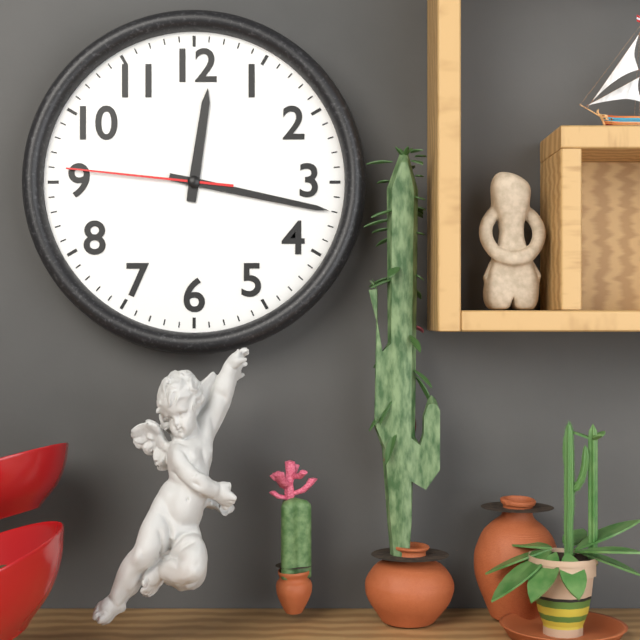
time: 12:17:46
